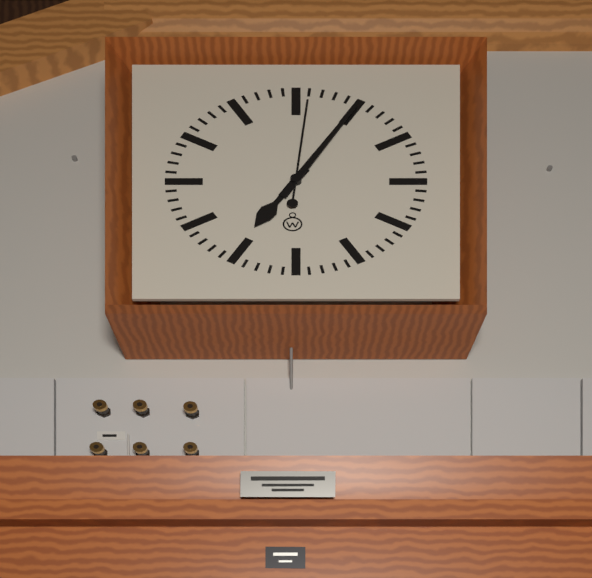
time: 7:05:01
